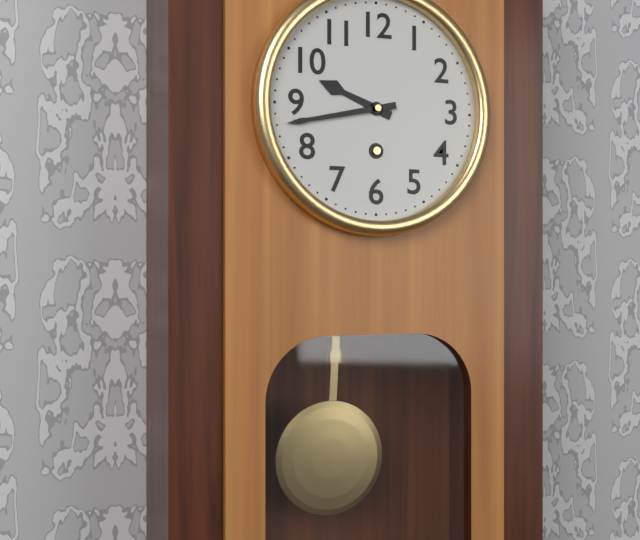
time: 9:43
